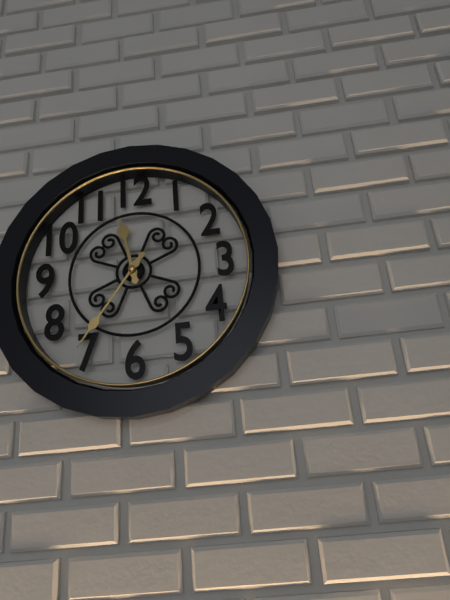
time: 11:36
